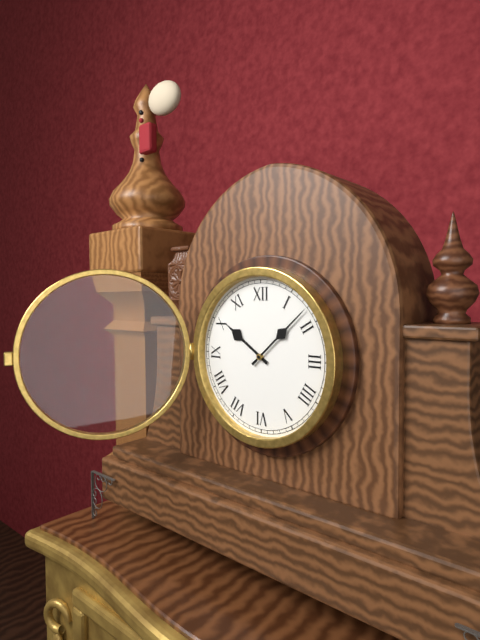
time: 10:08
